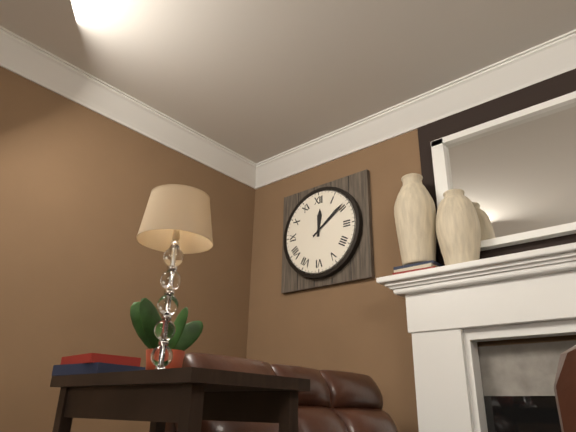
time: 12:09
